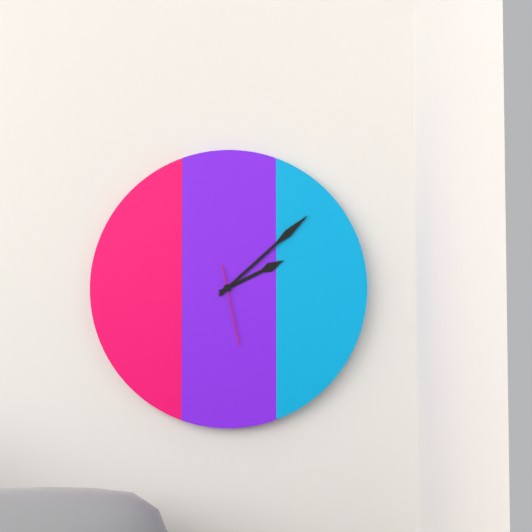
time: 2:08:28
